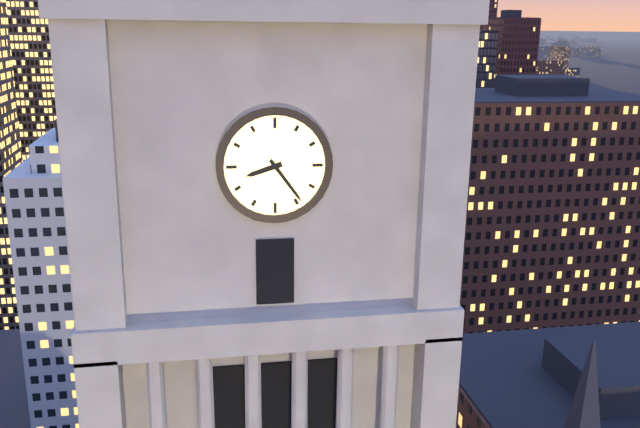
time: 8:24
